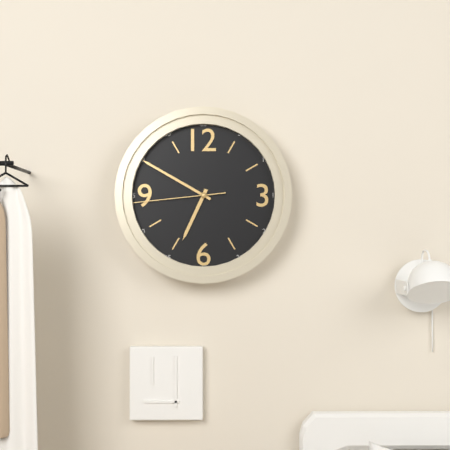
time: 6:50:44
